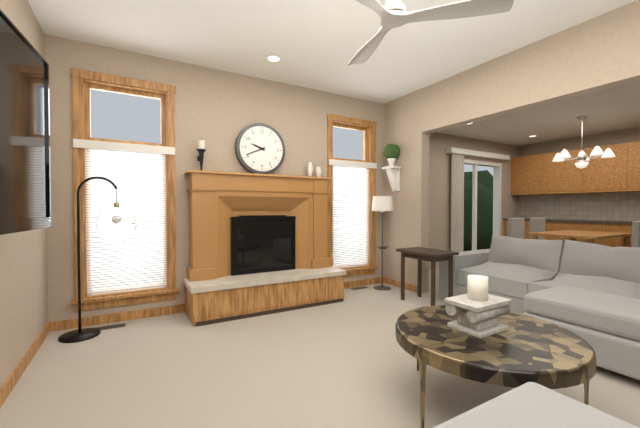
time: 9:41
